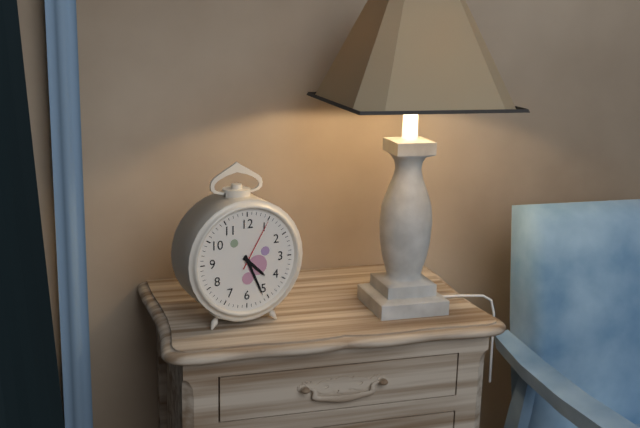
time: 4:26:05
